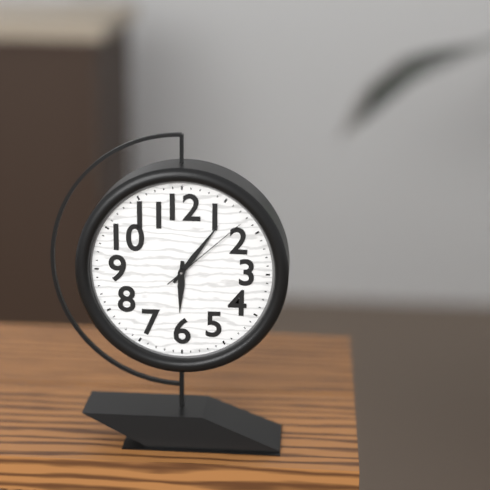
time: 6:06:08
